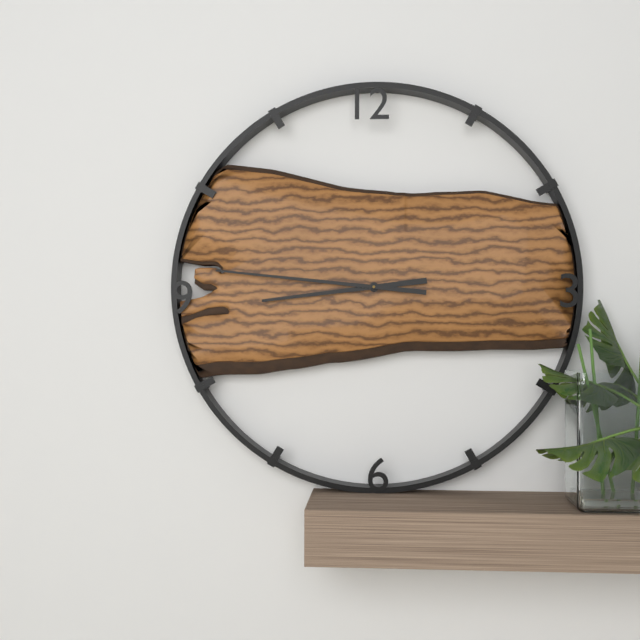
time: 8:46
